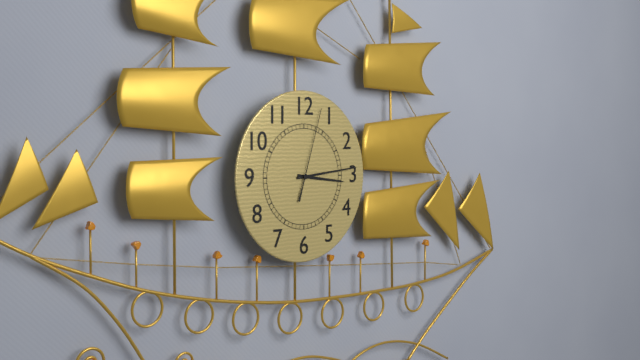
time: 3:14:03
